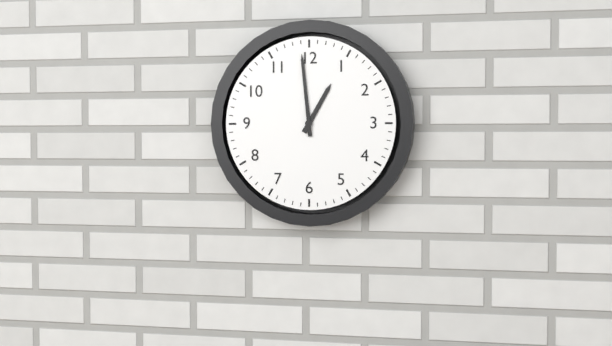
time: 12:59
